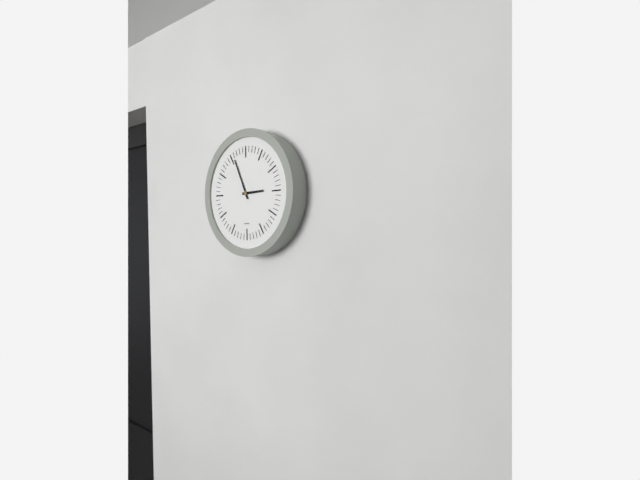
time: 2:56
